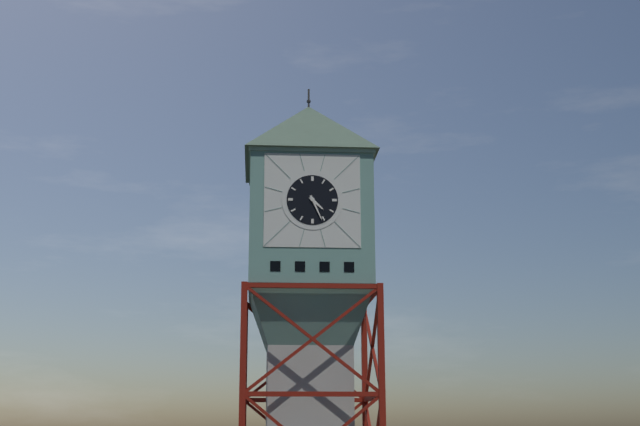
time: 4:26
